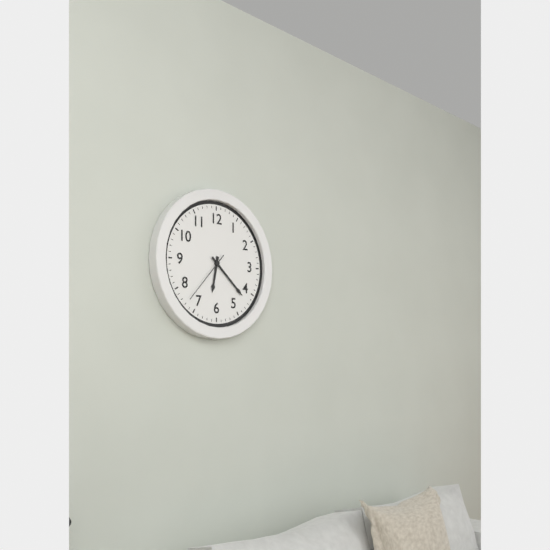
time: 6:22:37
